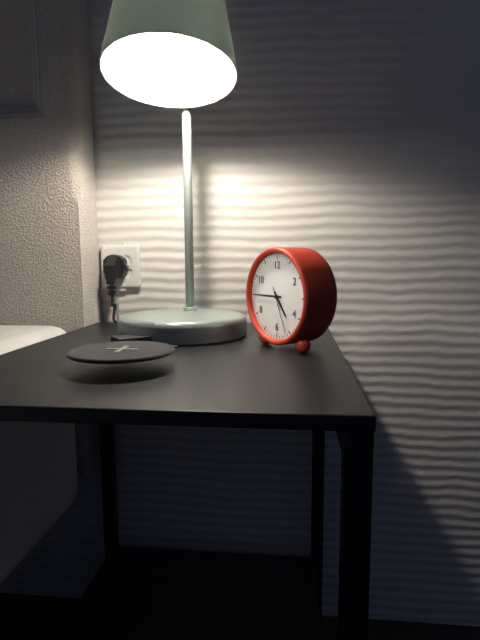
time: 4:45
